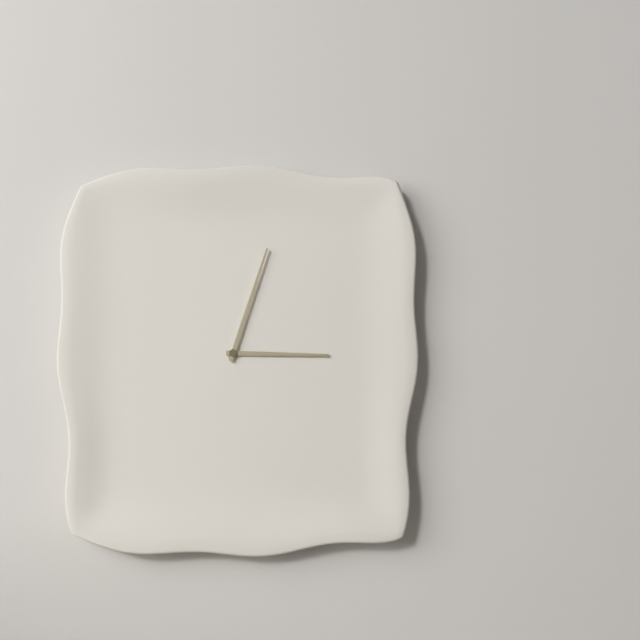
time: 3:03
